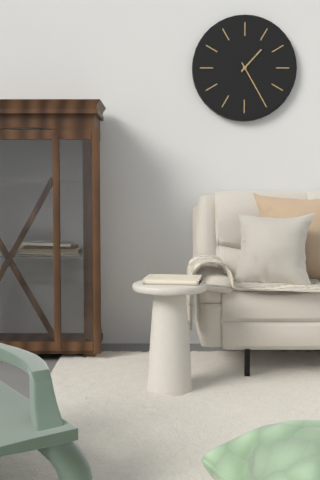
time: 1:25
